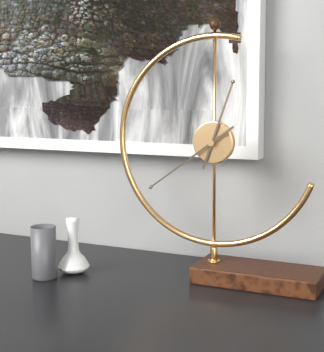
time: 12:39
